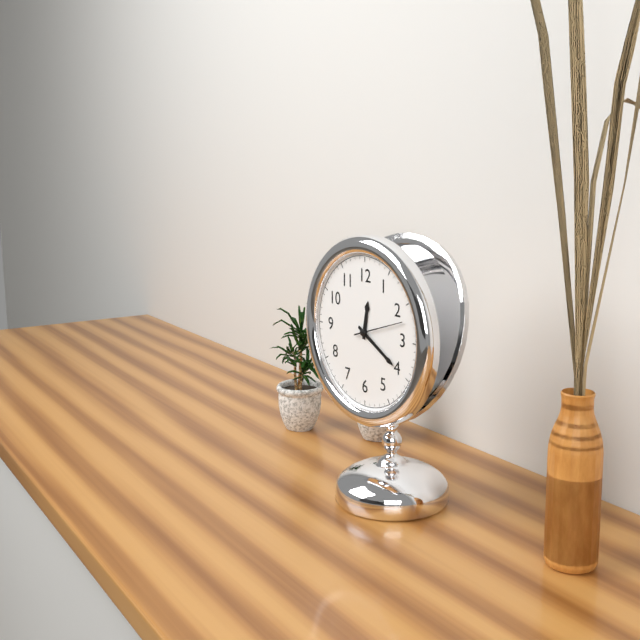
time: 12:20:12
